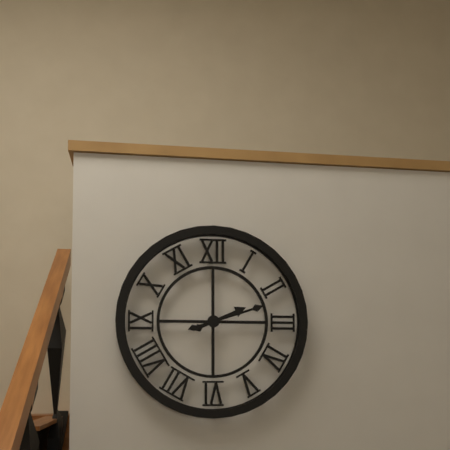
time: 2:12
